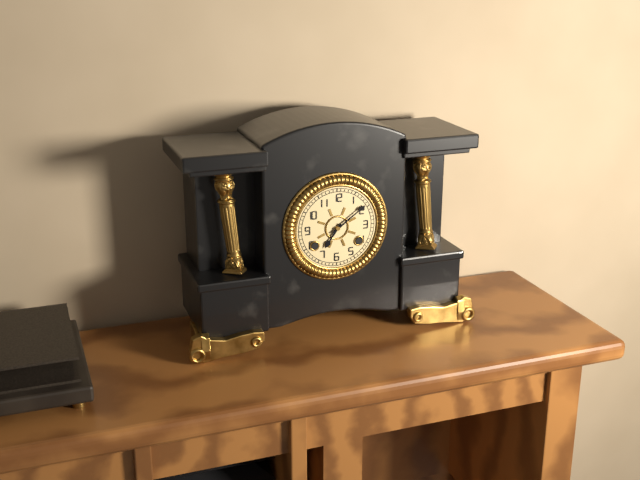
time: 7:09
